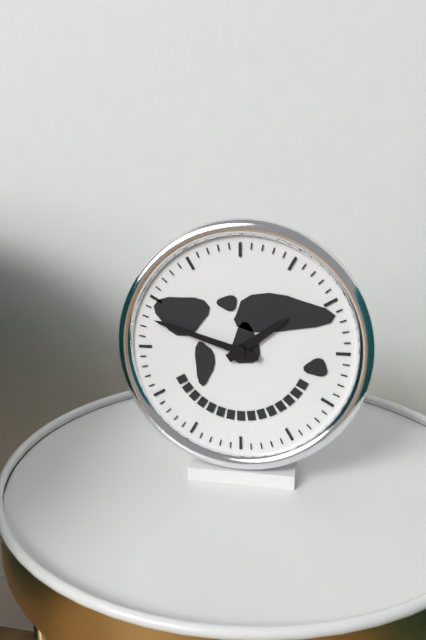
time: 1:48
